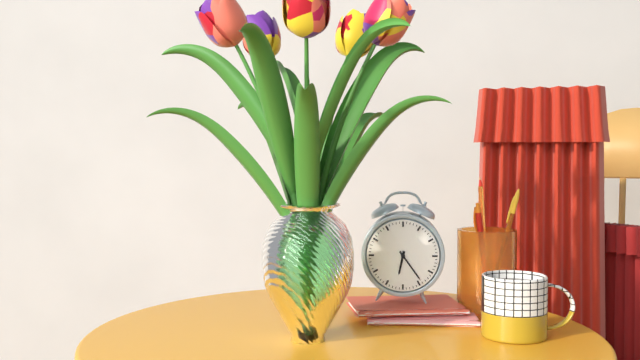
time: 6:24
